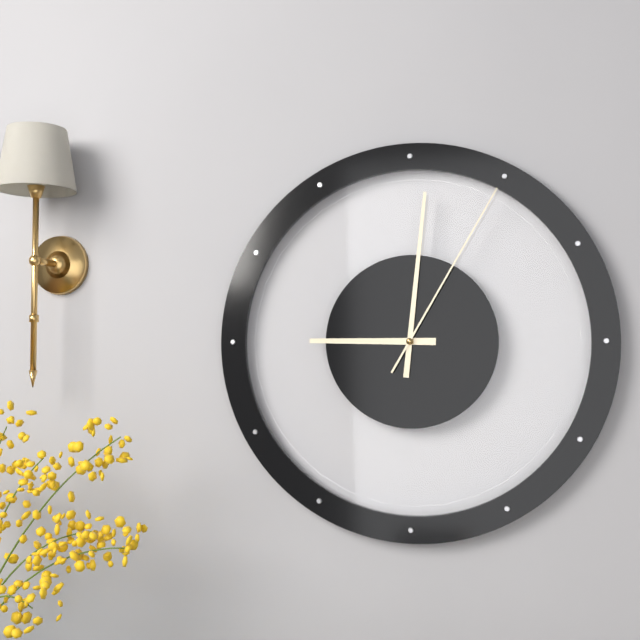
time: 9:01:05
